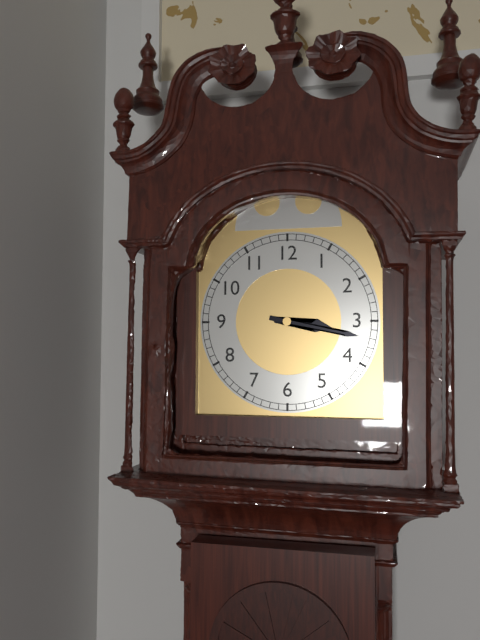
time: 3:17
